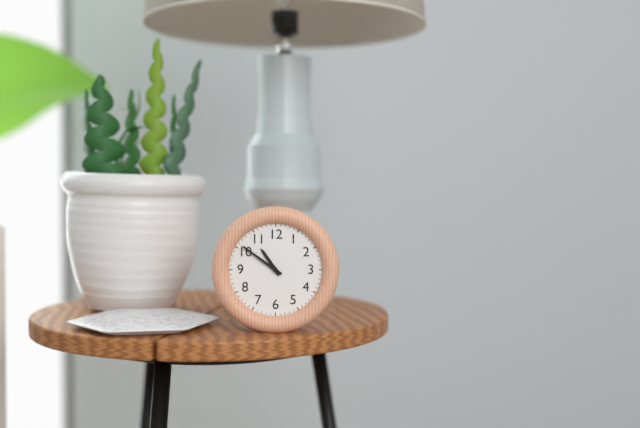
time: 10:51
